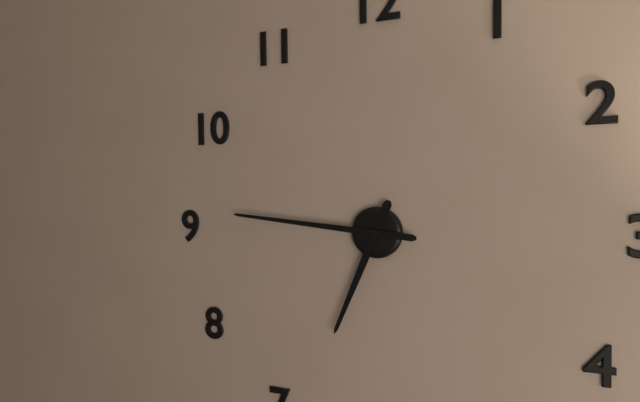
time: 6:46
